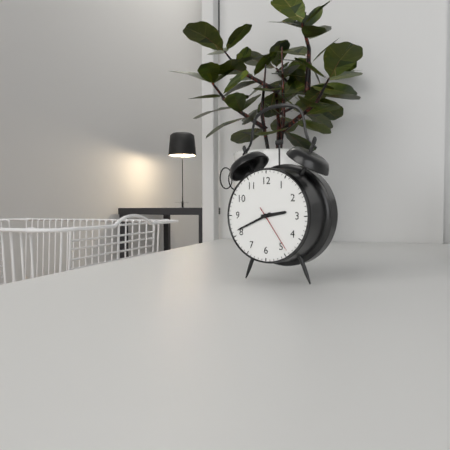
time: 2:41:24
